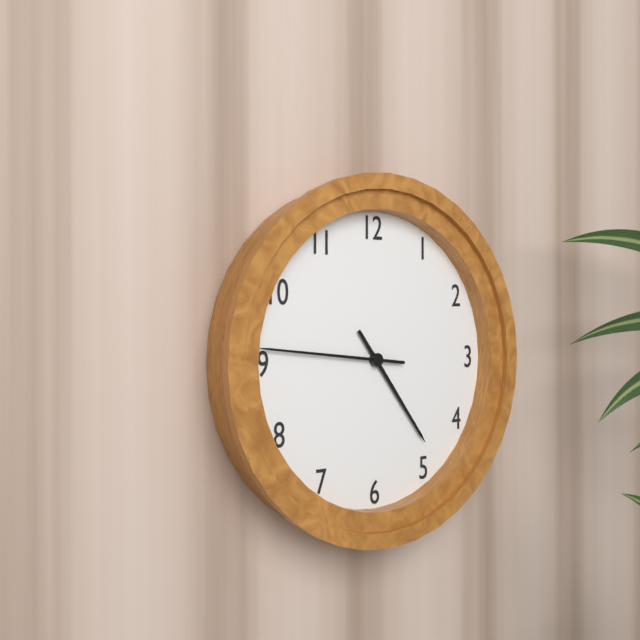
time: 4:46
